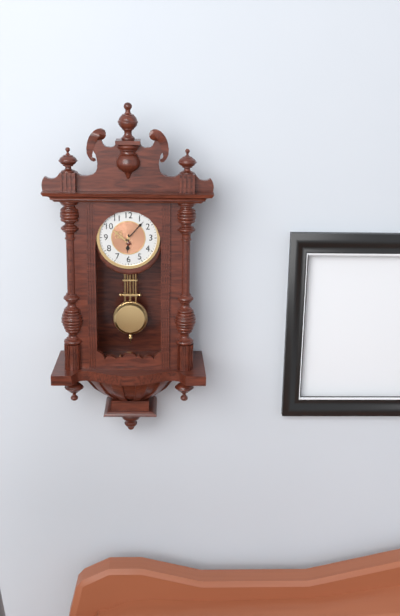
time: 6:07
